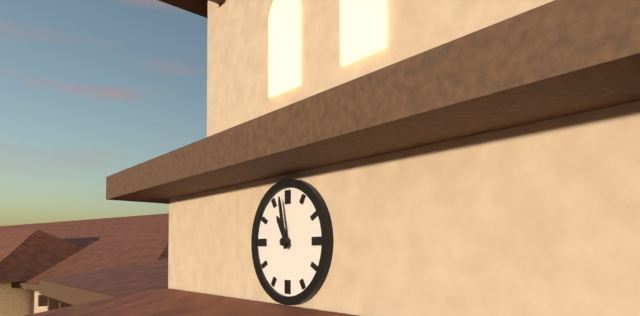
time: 10:58
